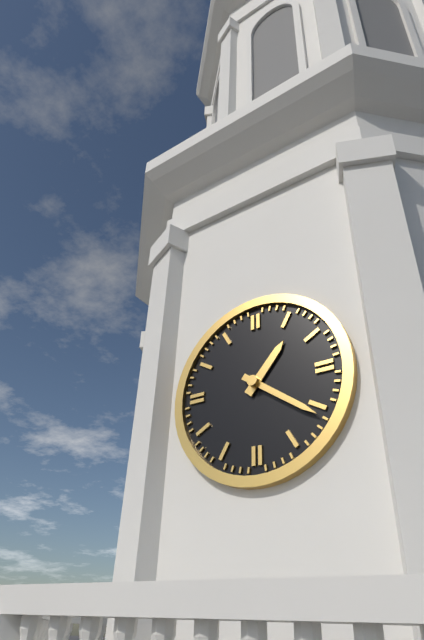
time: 1:21
